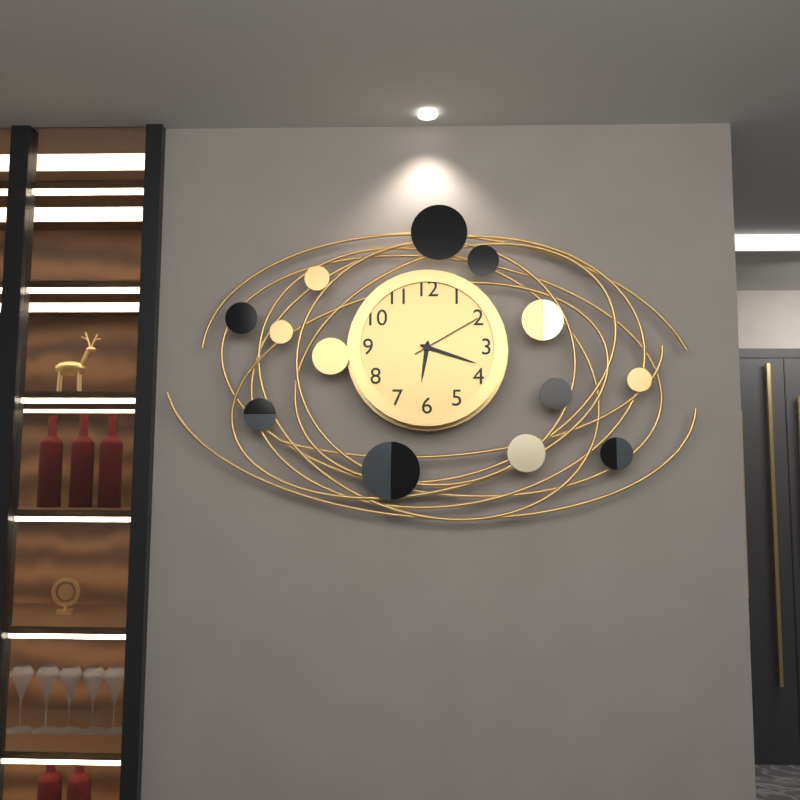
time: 6:18:10
